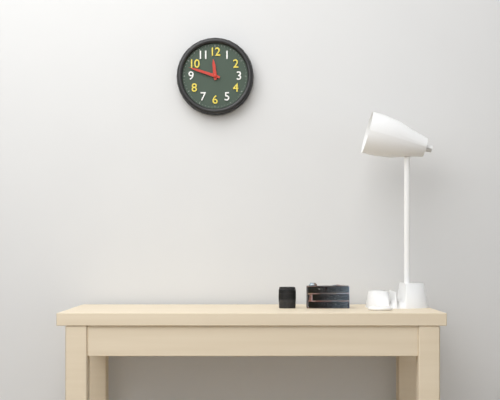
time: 11:48
